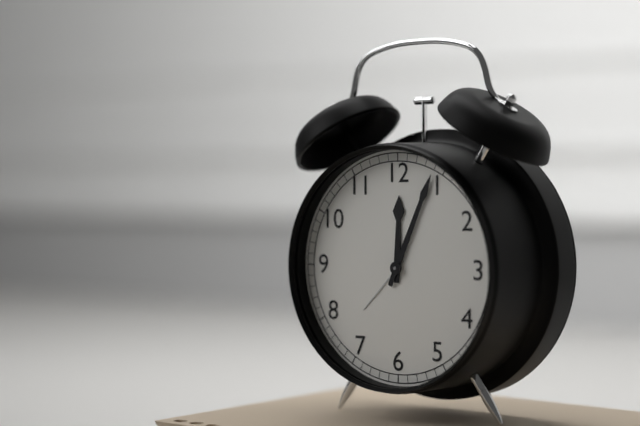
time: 12:04
